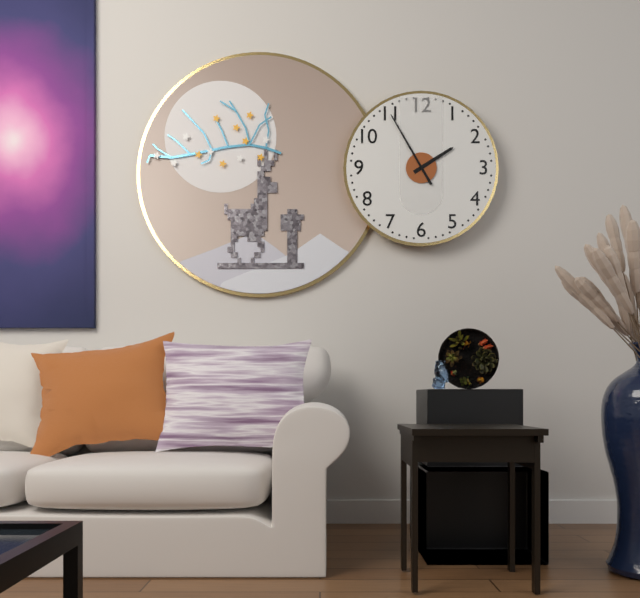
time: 1:55
